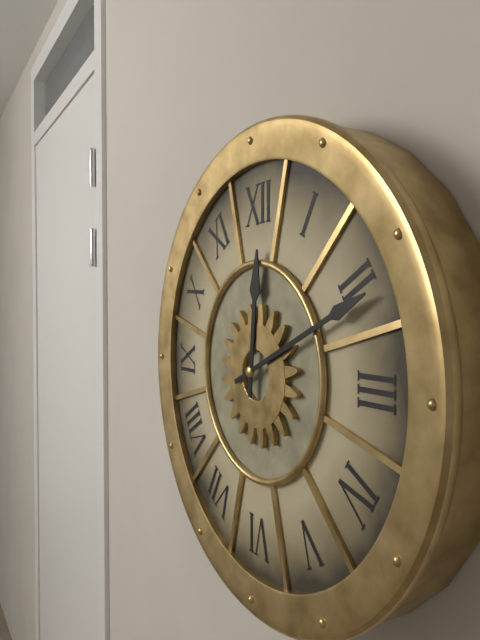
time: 12:11
